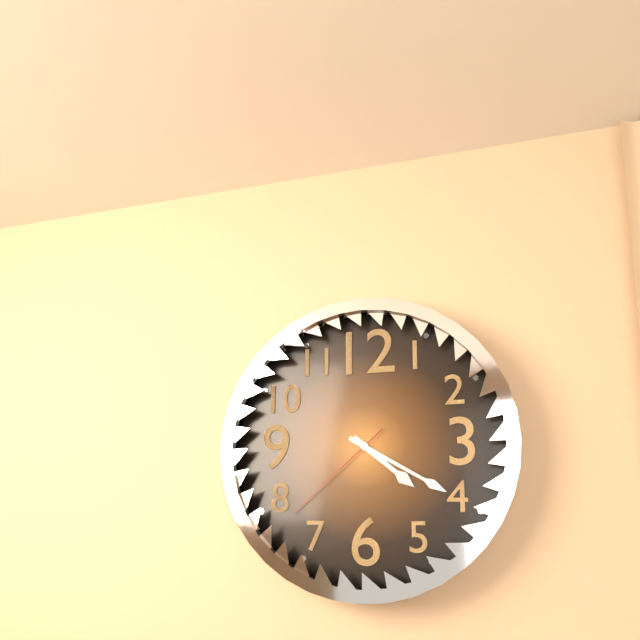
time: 4:20:38
